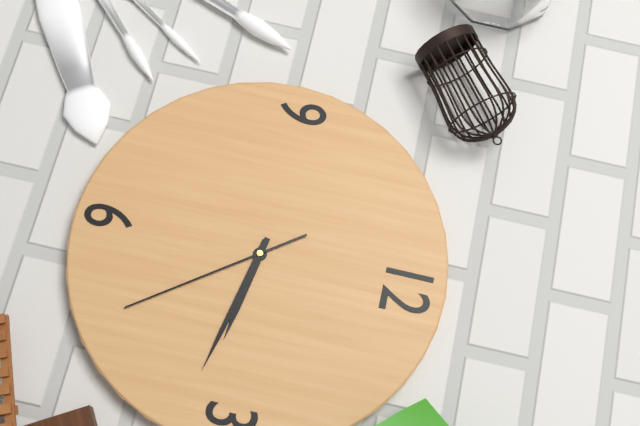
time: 3:17:24
